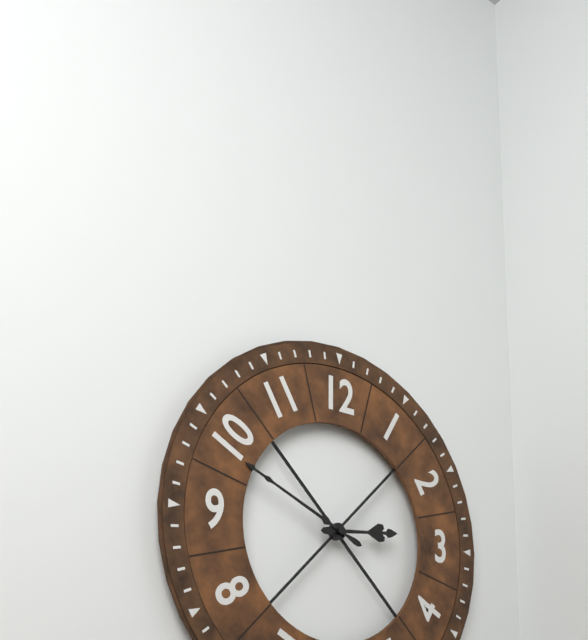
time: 2:49
